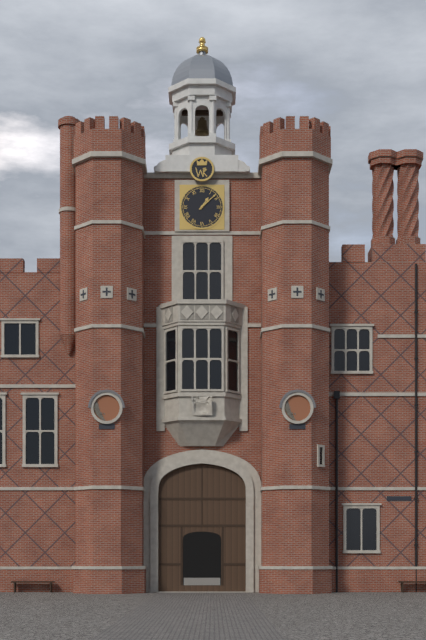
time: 1:08
